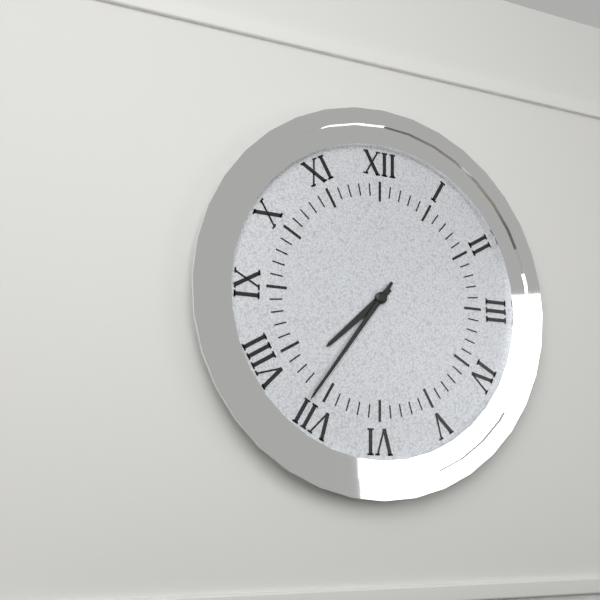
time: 7:36
